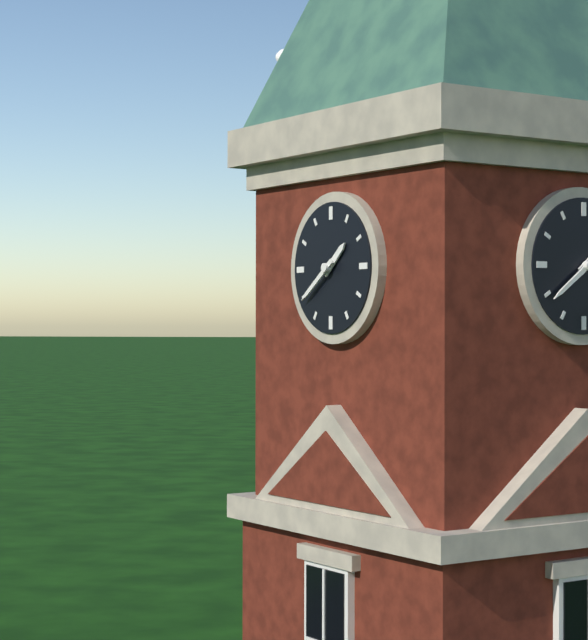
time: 1:39
